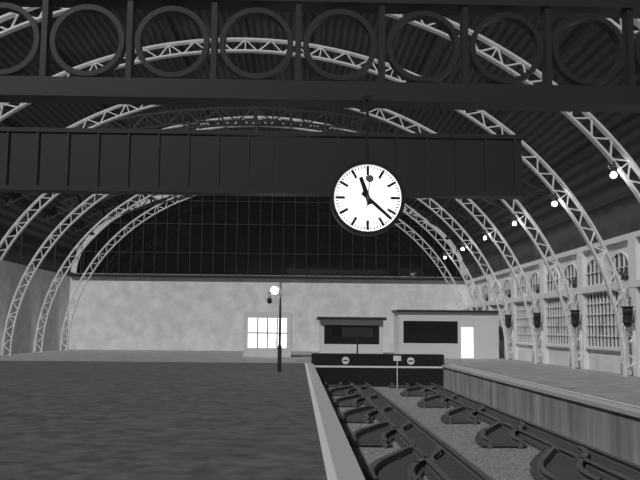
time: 11:22
